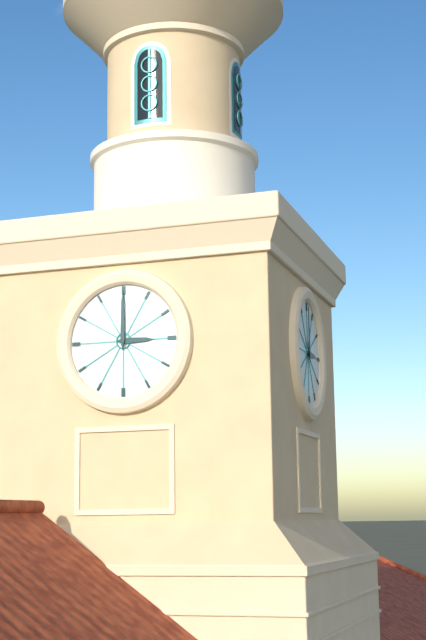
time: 3:00
